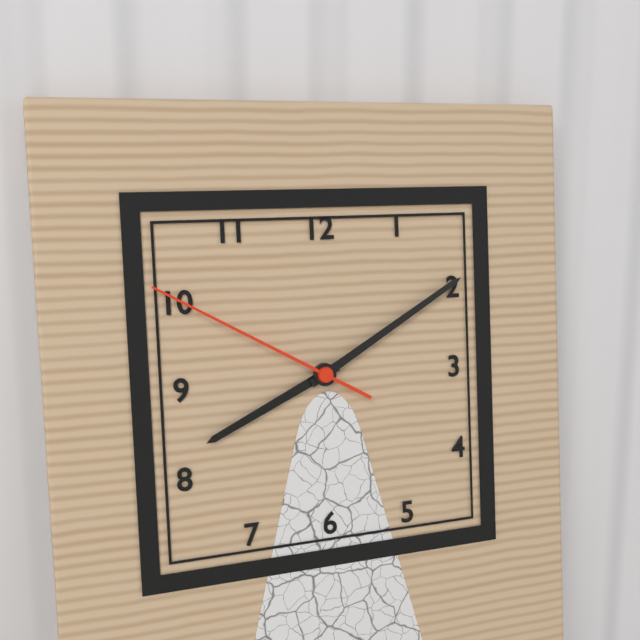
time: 8:10:50
